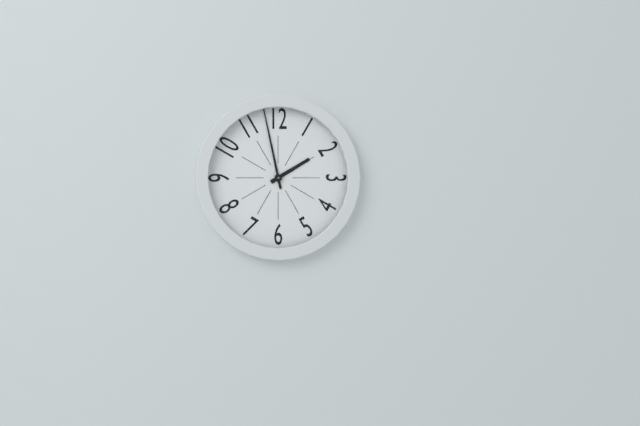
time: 1:58
